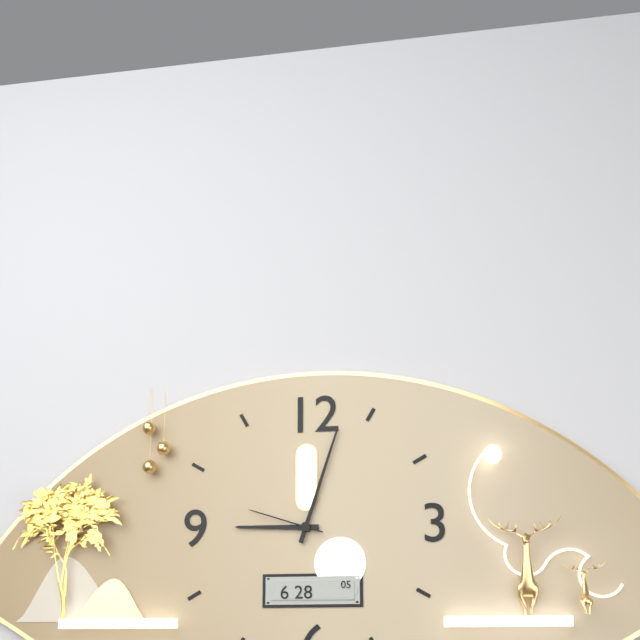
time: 9:03:48
